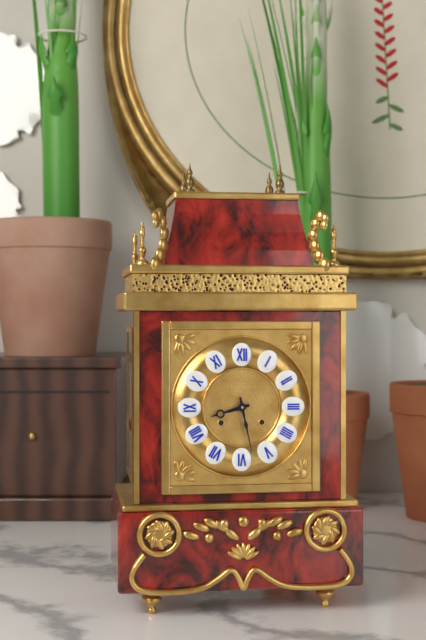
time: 8:28
